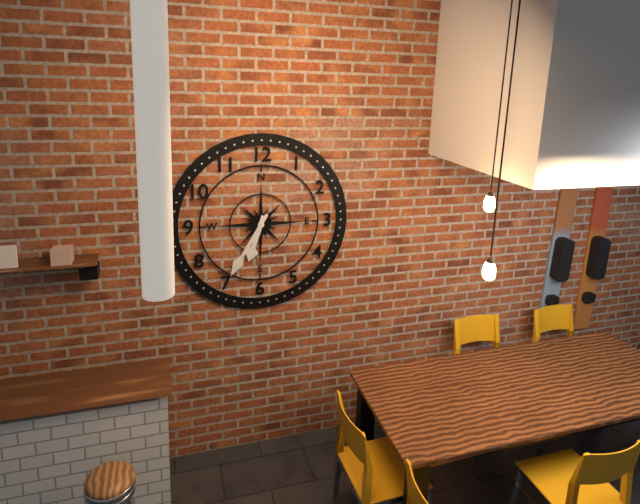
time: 6:35
